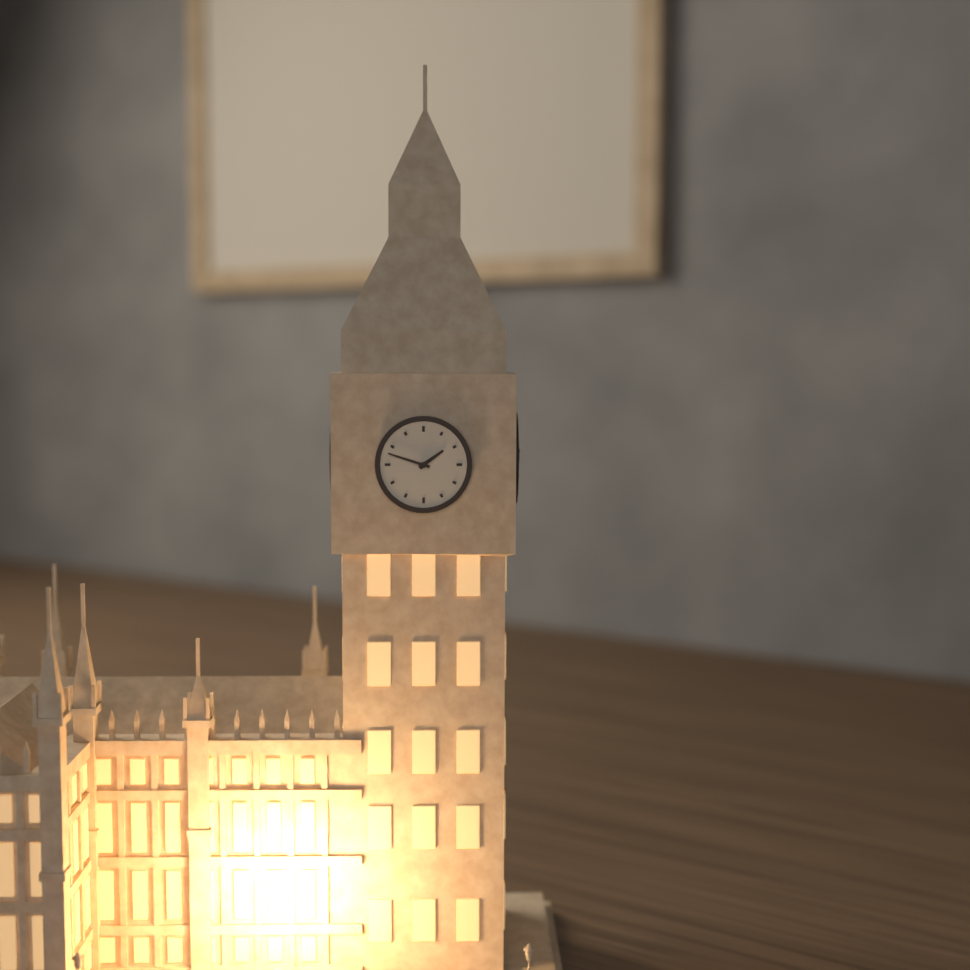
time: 1:48
